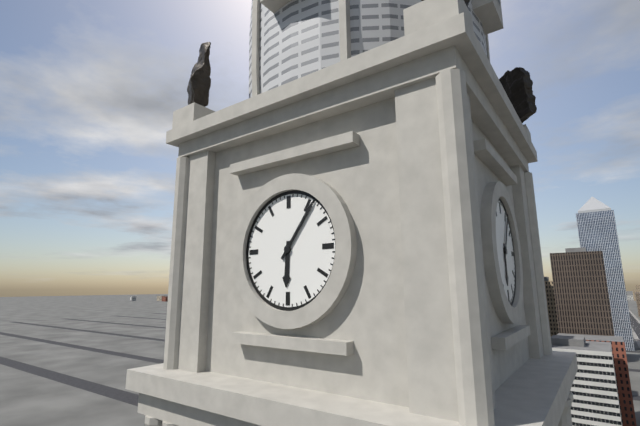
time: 6:06
